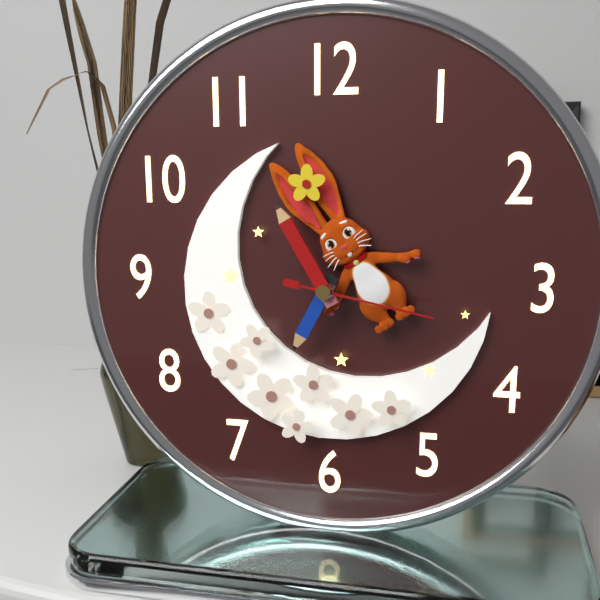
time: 6:55:17
